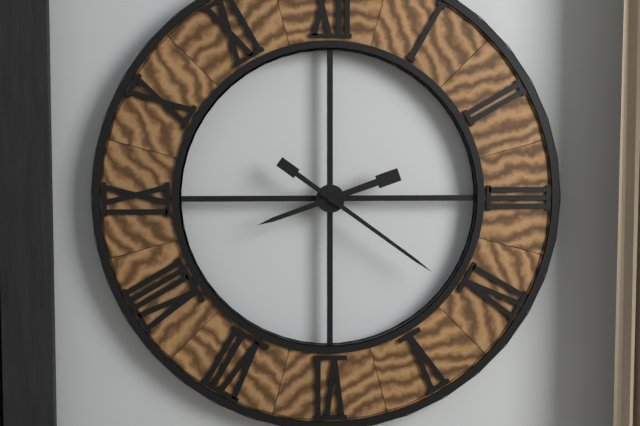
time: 8:21
